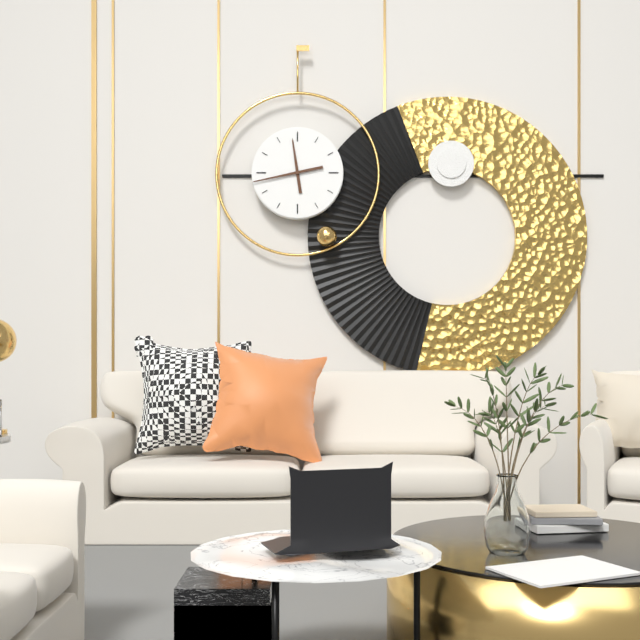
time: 11:43
